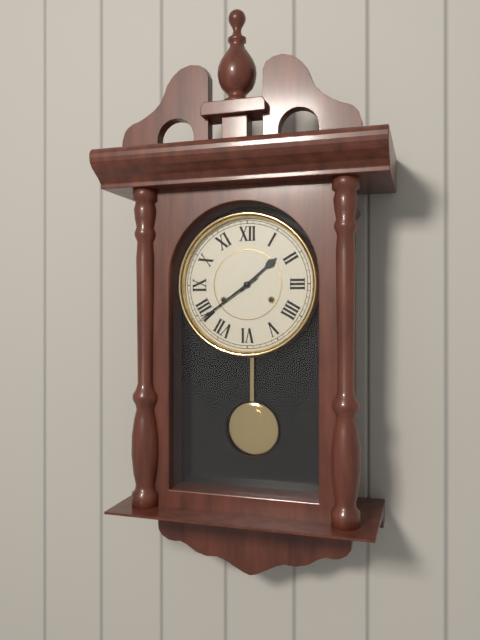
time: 1:39
